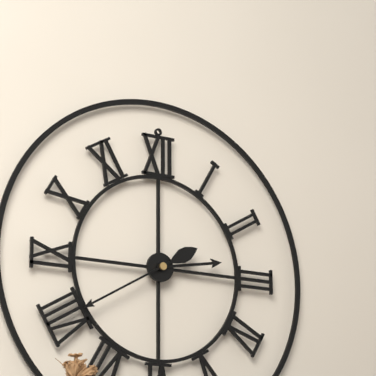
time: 2:40
